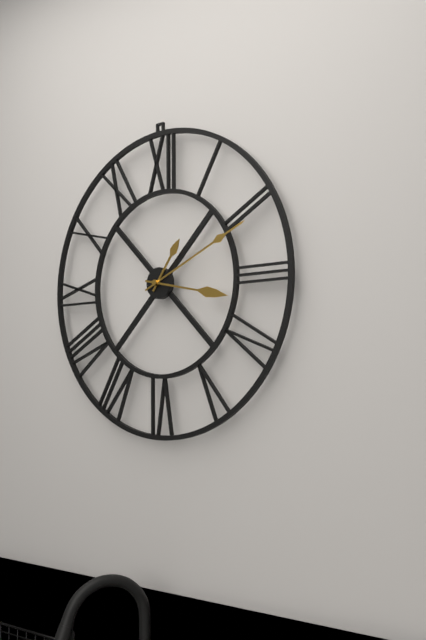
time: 1:11:17
